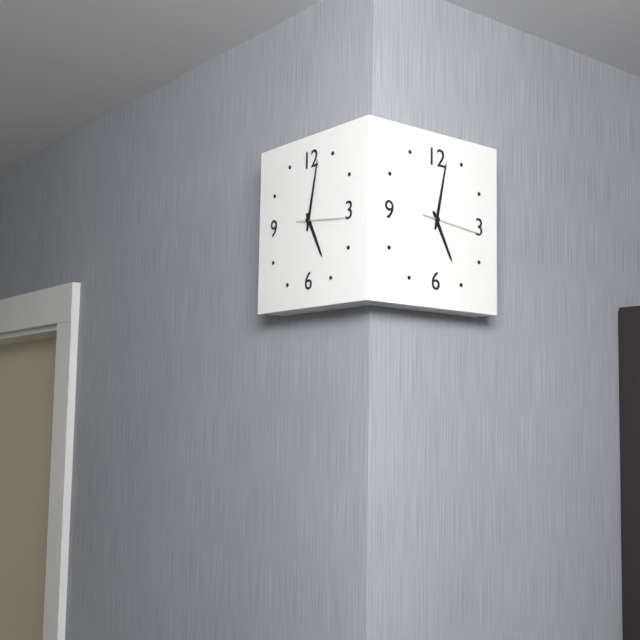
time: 5:02
